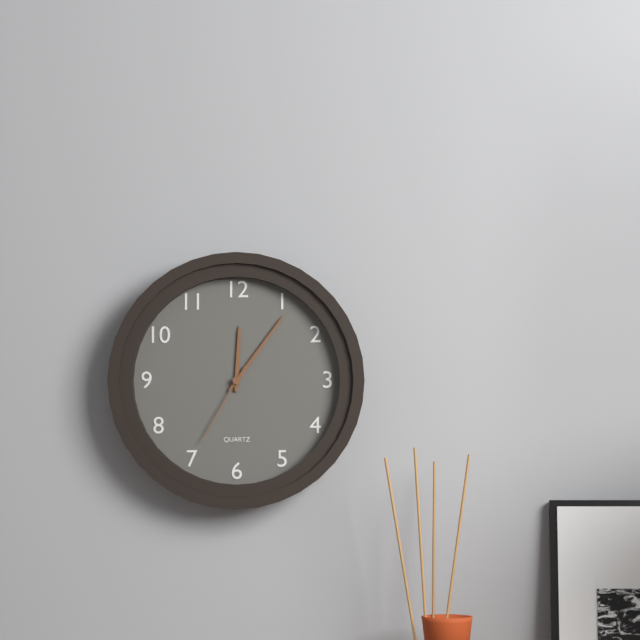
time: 12:06:35
